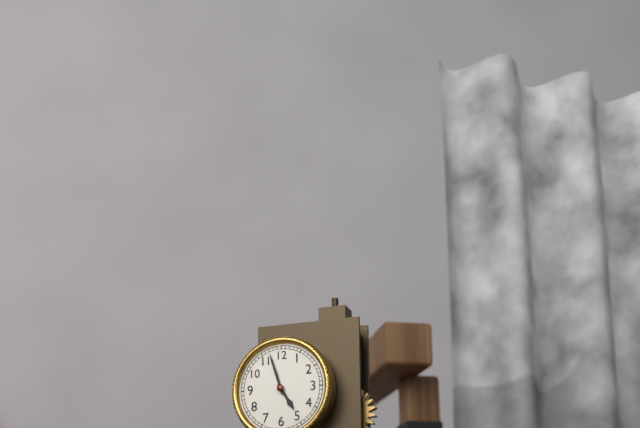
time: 4:57
